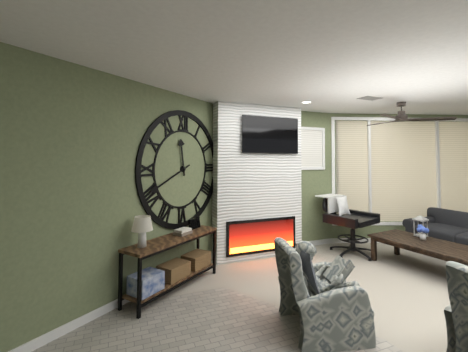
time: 11:41
